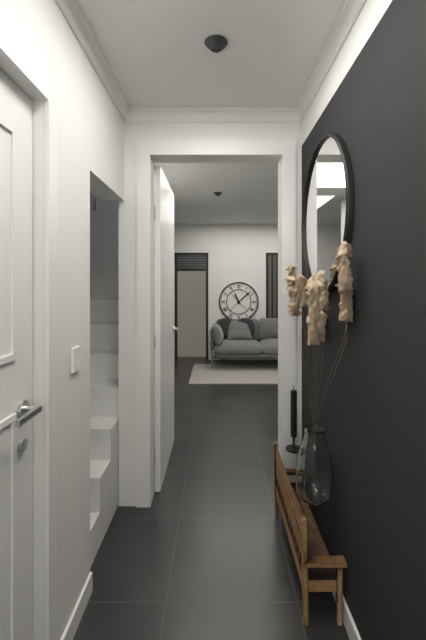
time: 11:08
